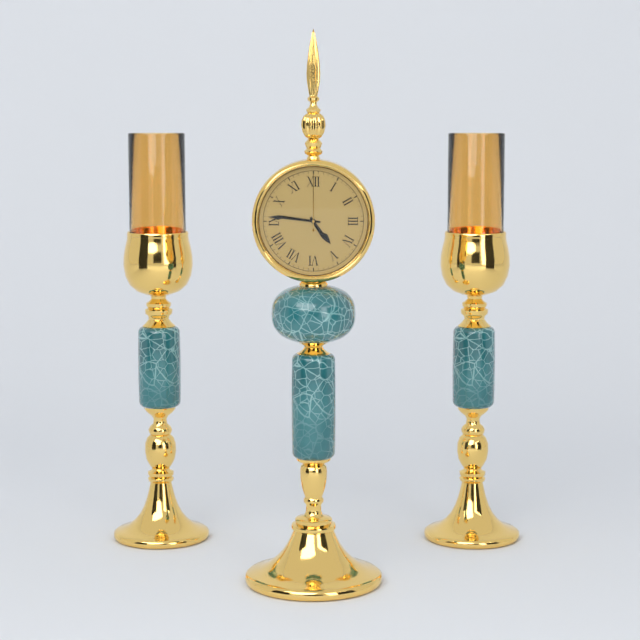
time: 4:46:00
